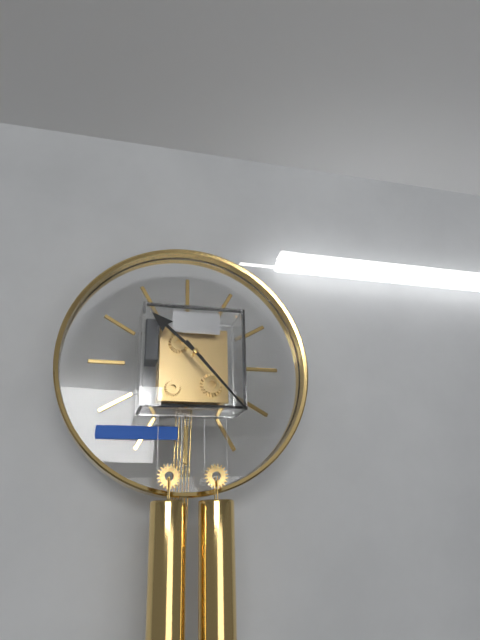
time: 10:23
